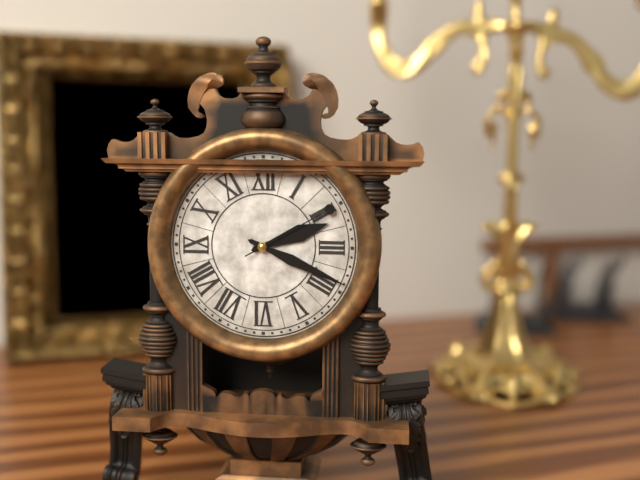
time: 2:19:10
